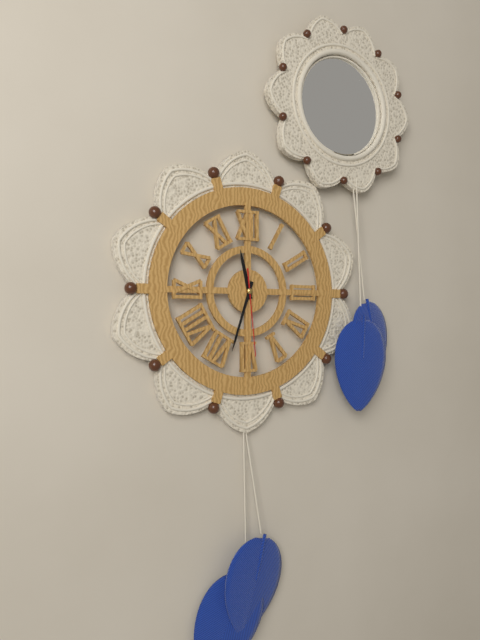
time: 11:33:29
